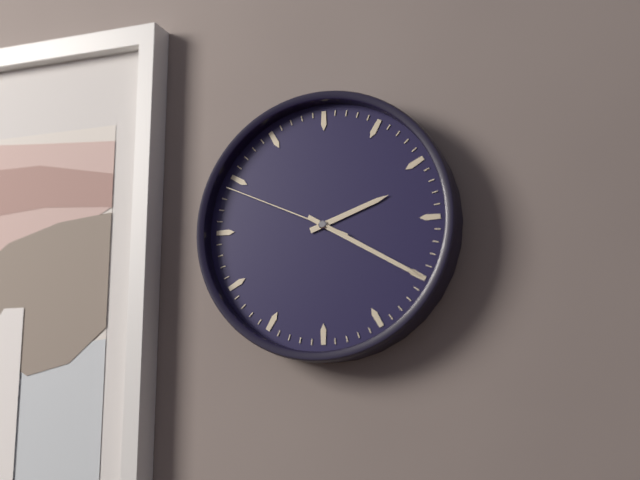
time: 2:20:49
